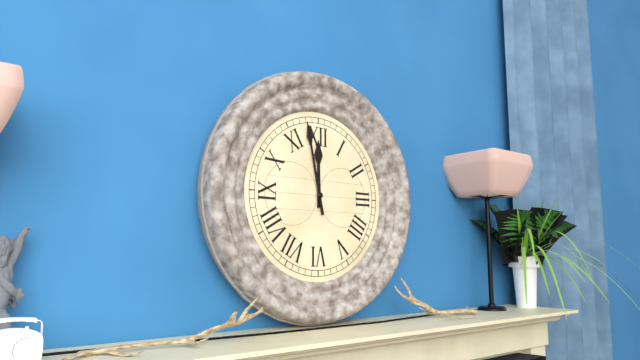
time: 11:58
